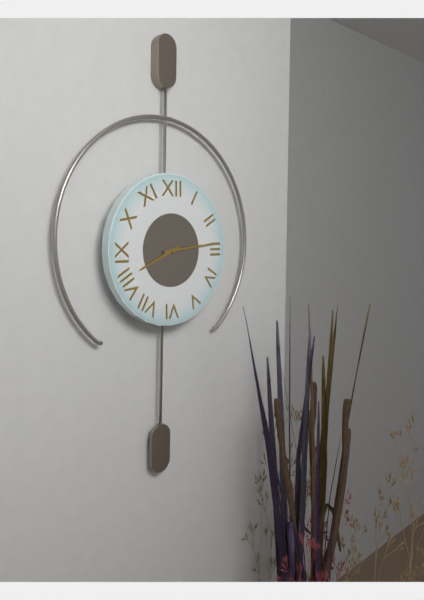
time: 8:14
